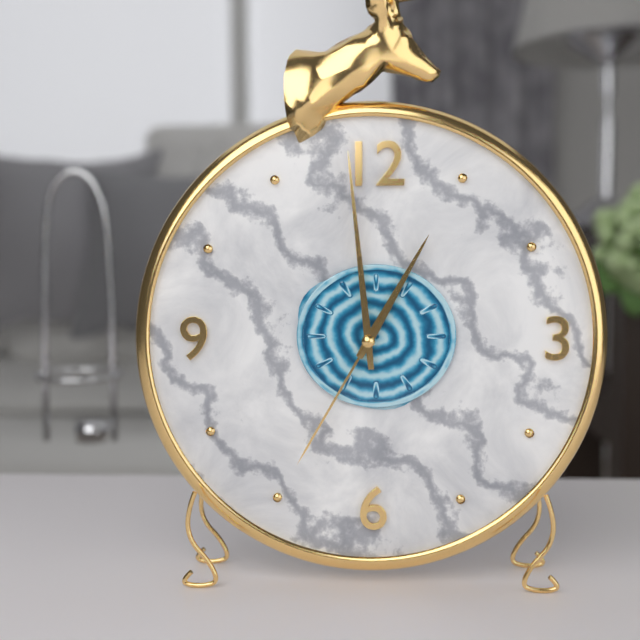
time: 12:59:35
